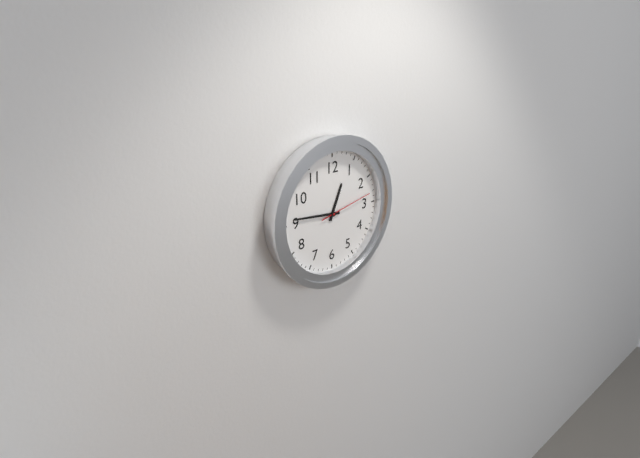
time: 12:46:13
